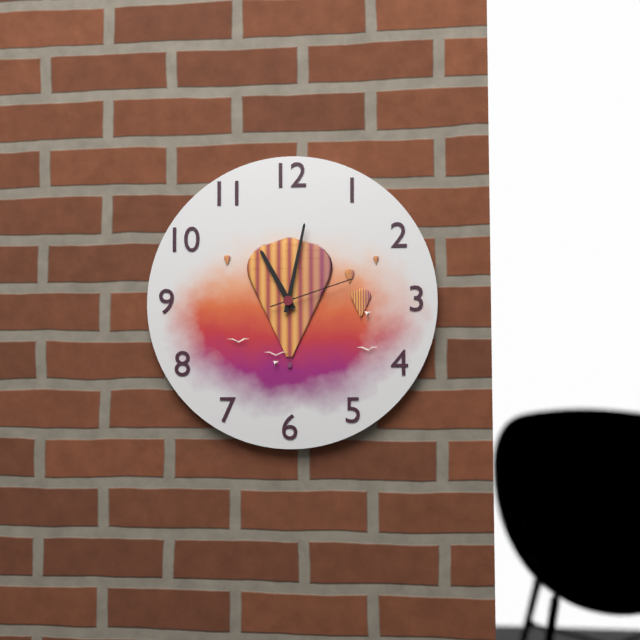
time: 11:02:12
